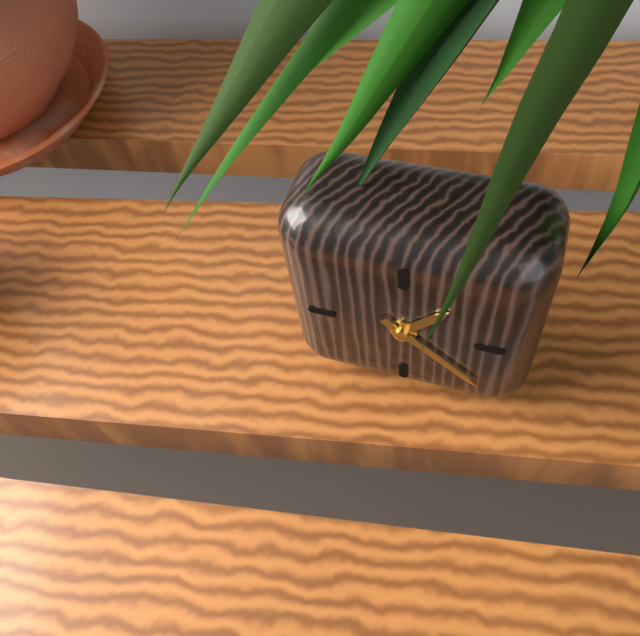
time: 1:22
